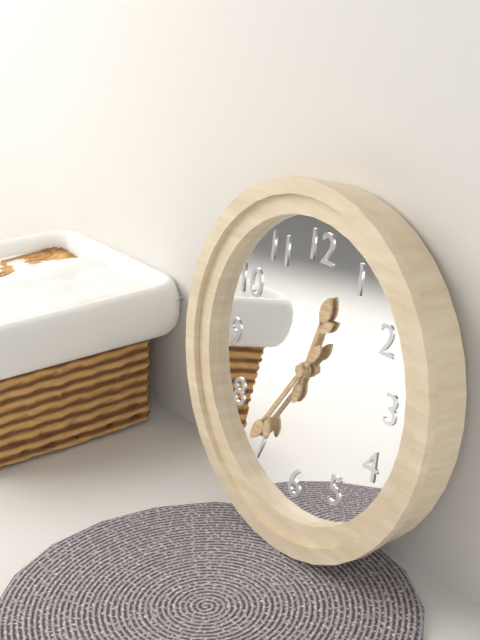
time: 12:36
